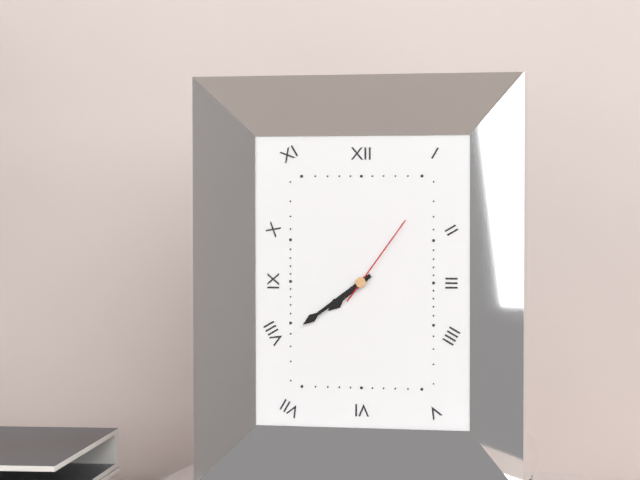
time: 7:39:06
